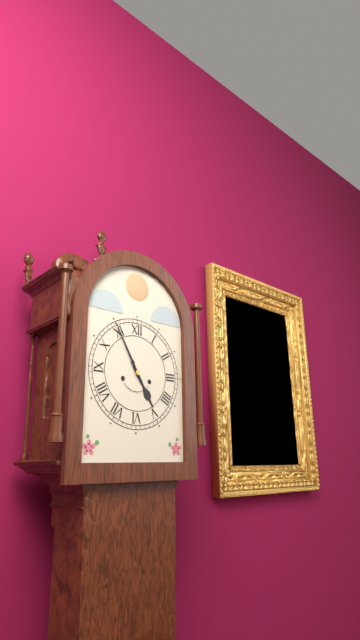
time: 4:55
